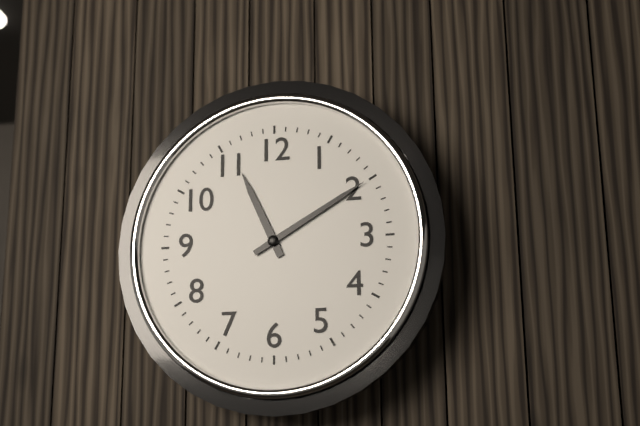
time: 11:10
